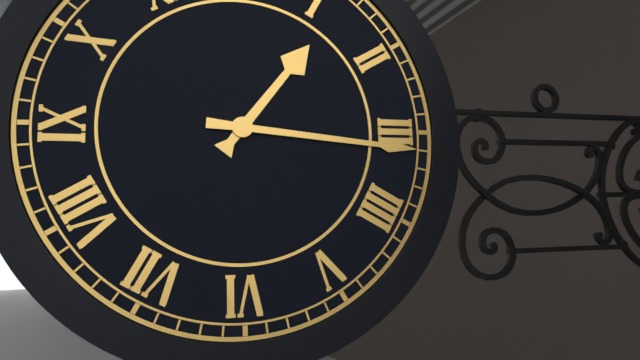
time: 1:16
